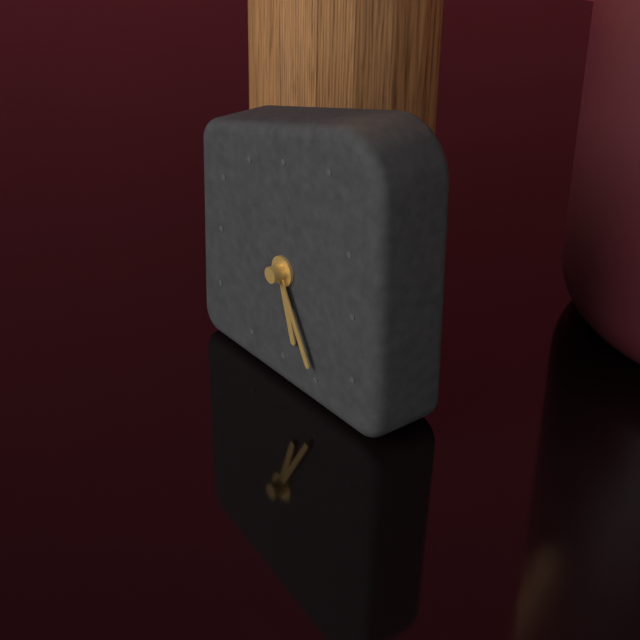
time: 5:25
